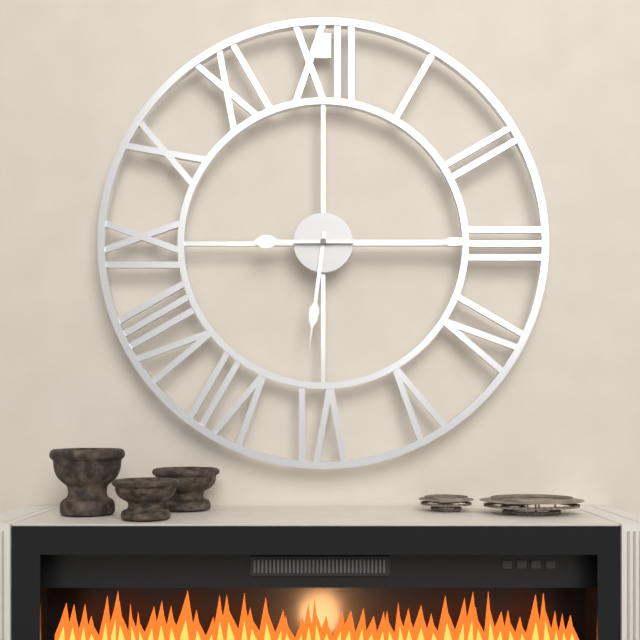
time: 6:15
